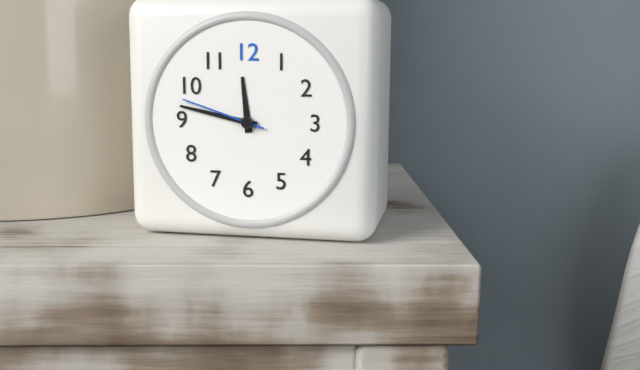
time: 11:47:48
